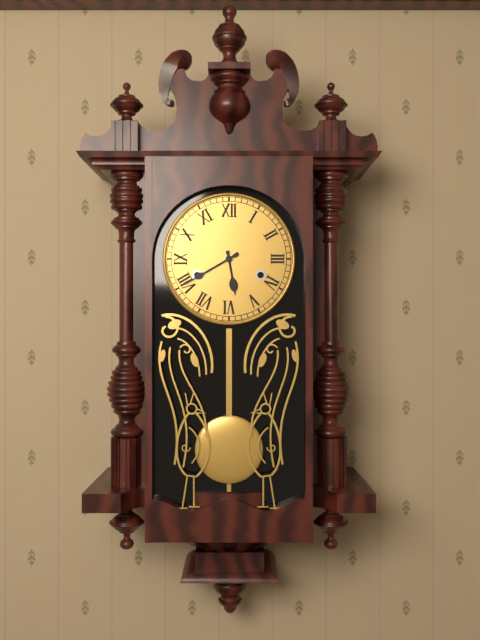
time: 5:40
